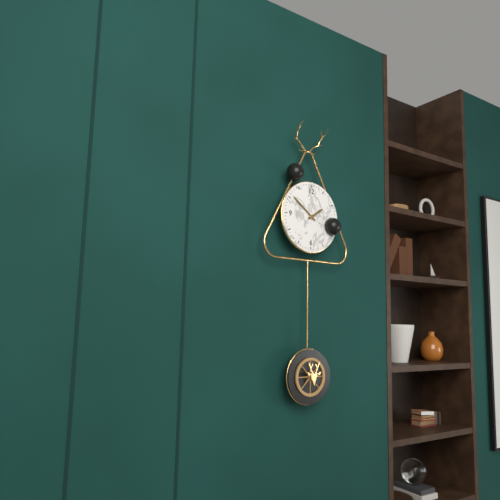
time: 1:51
